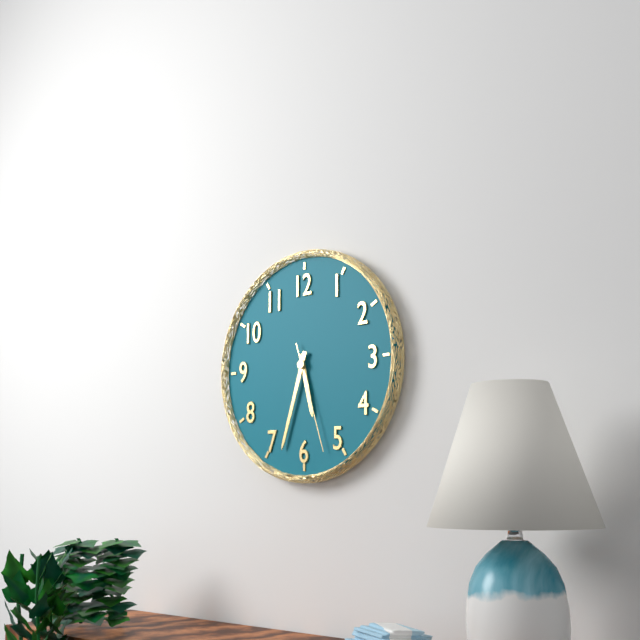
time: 5:33:27
